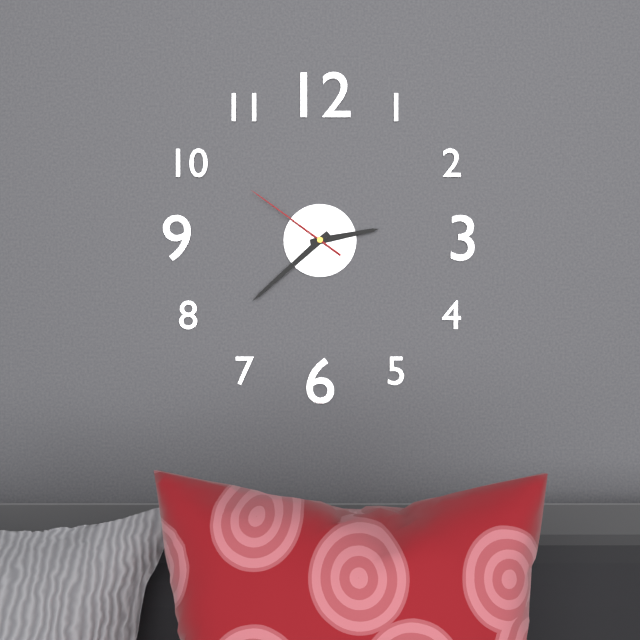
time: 2:38:51
